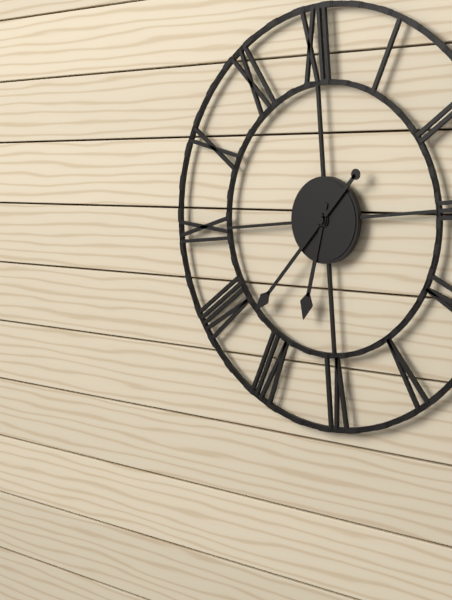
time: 6:38
